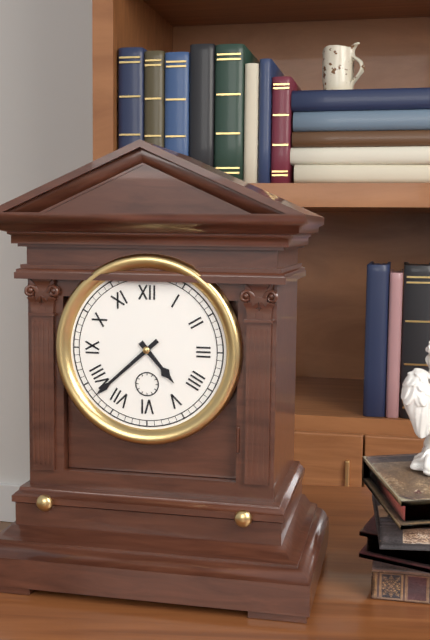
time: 4:38
